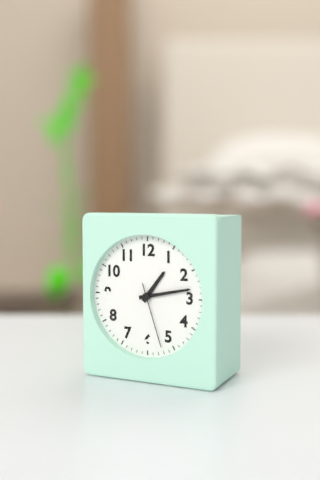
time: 1:13:27
